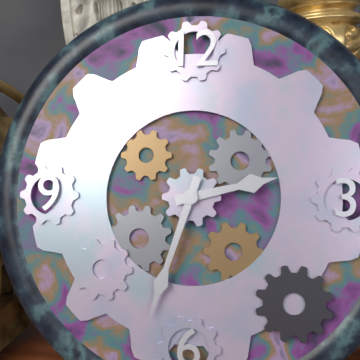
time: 2:33
